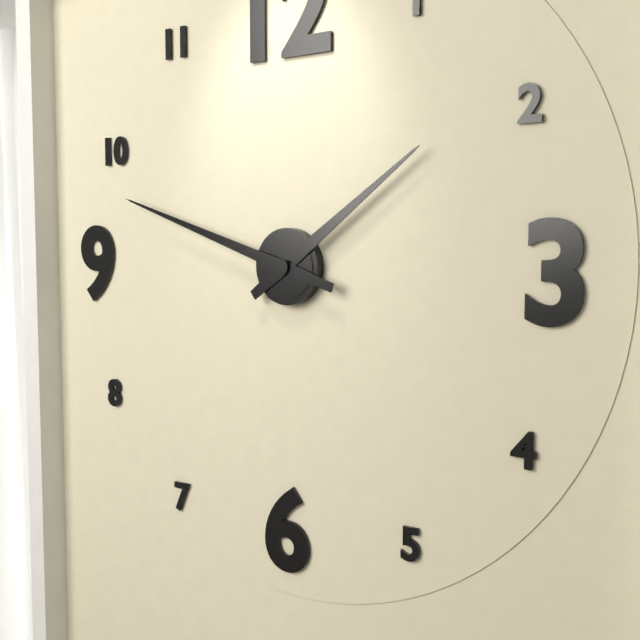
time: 1:48
